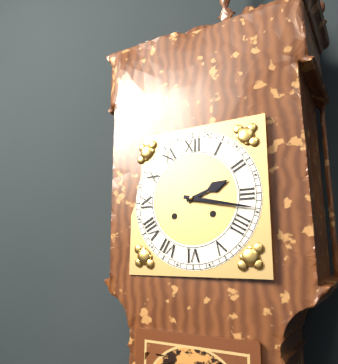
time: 2:17
